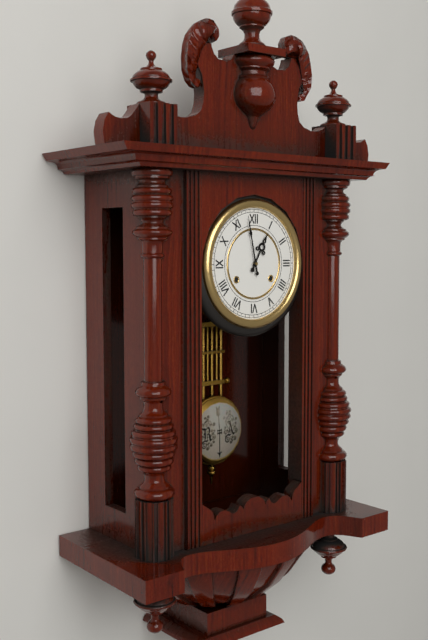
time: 12:58
